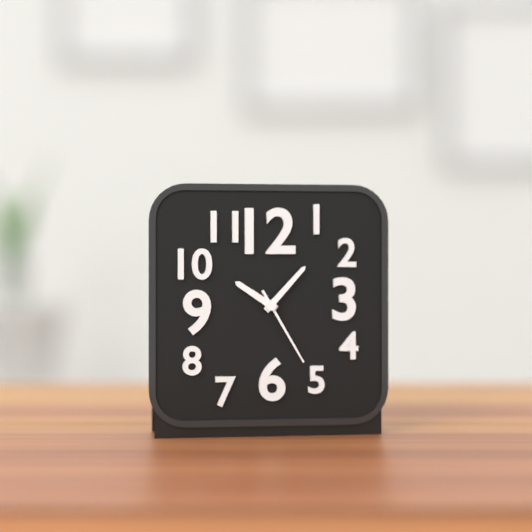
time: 10:07:25
